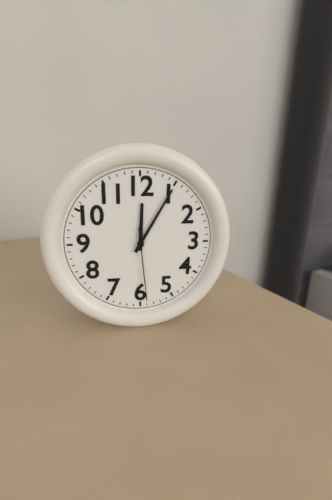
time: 12:05:29
